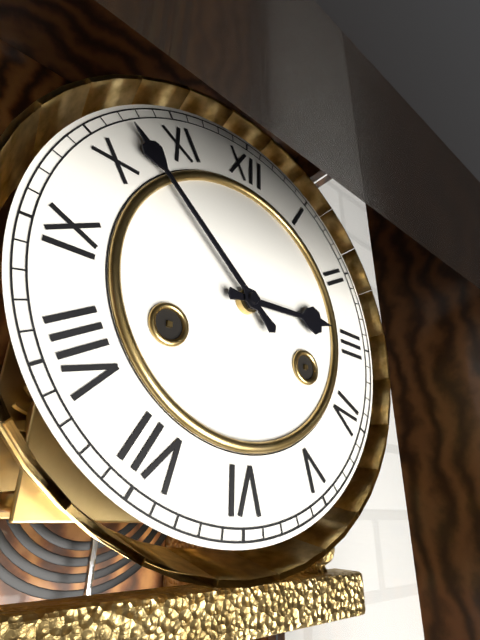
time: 2:52
